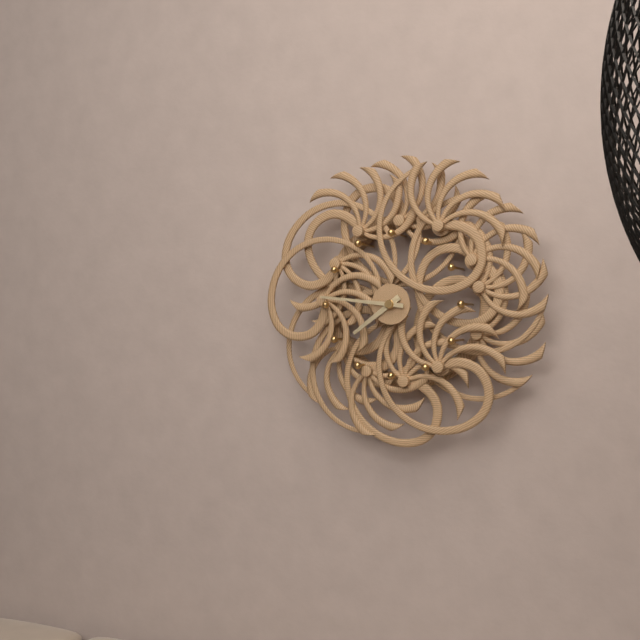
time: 7:46
